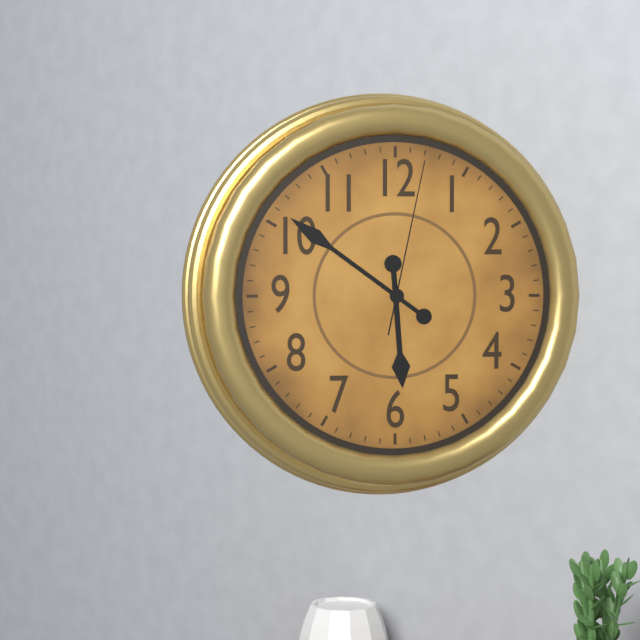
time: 5:51:02
